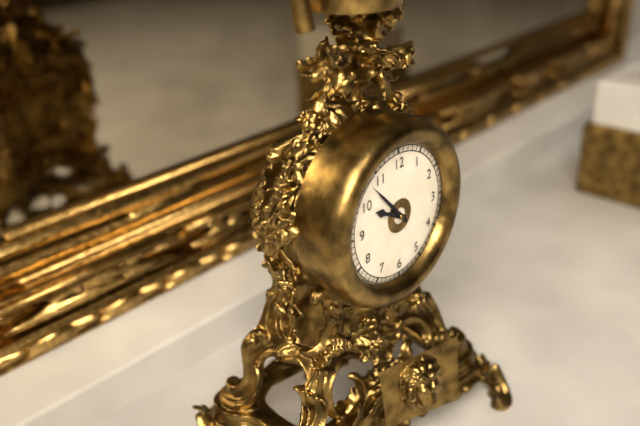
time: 9:53
